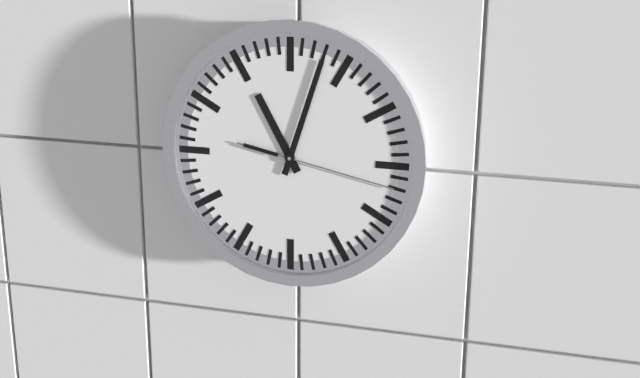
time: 11:03:17
